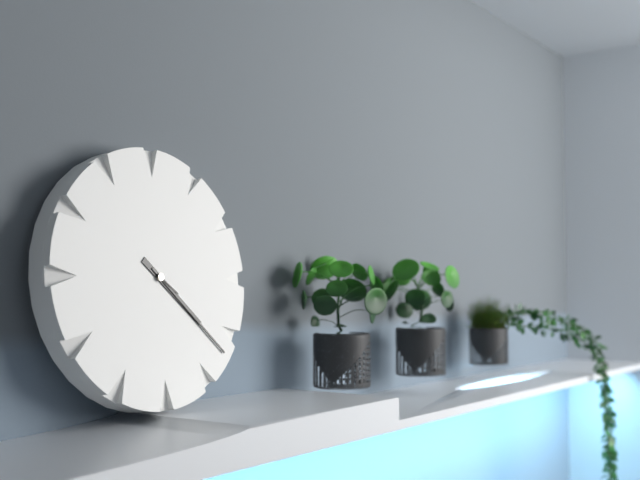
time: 4:22
